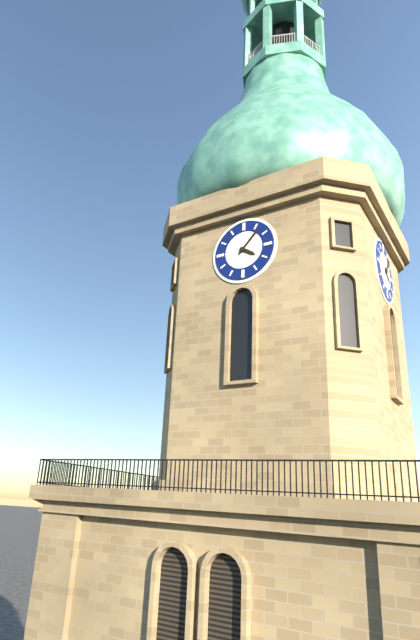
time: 4:07
